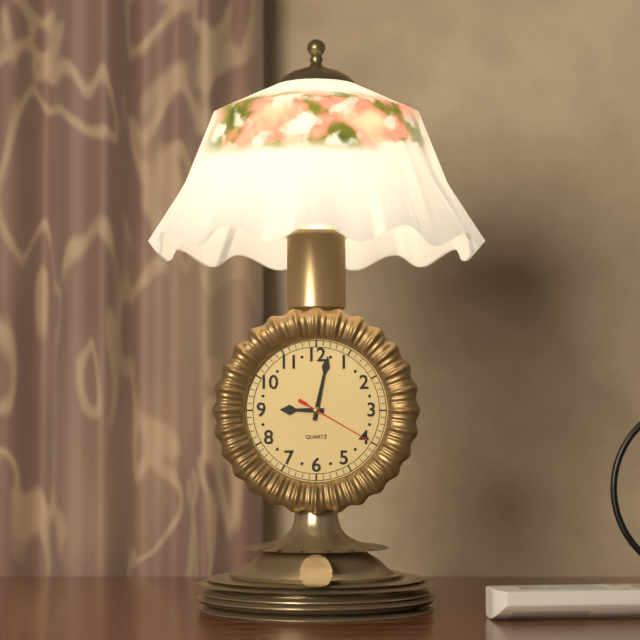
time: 9:02:20
